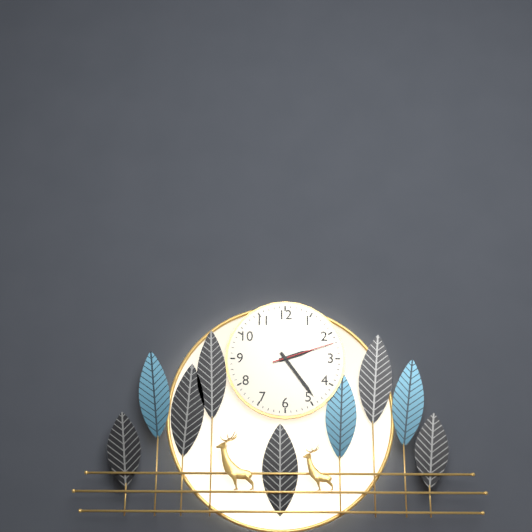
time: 2:24:12
